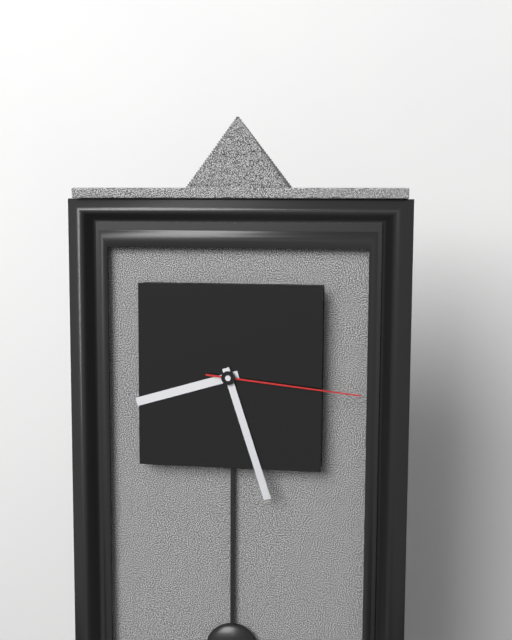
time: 8:27:16
